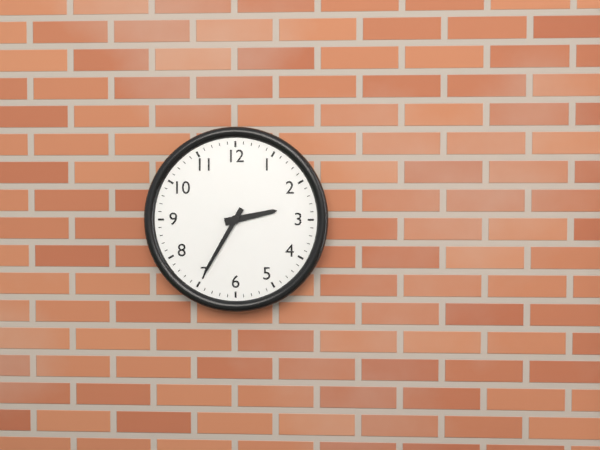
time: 2:35
